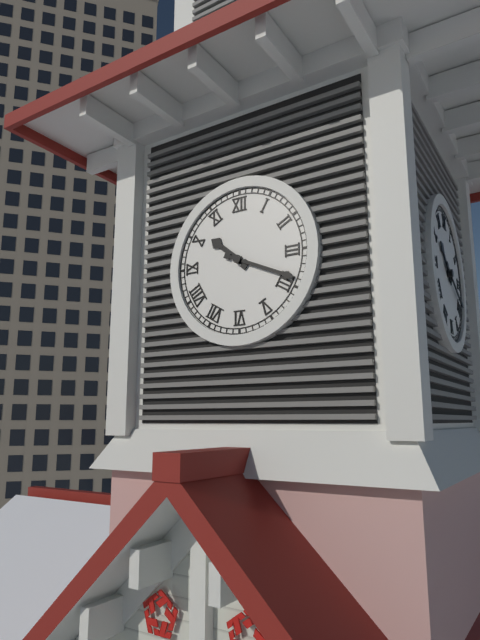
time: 10:19
